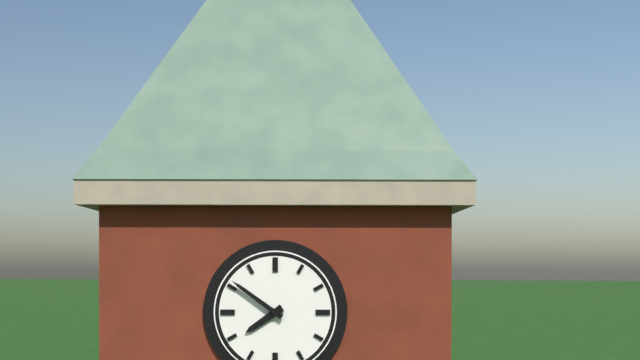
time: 7:51
